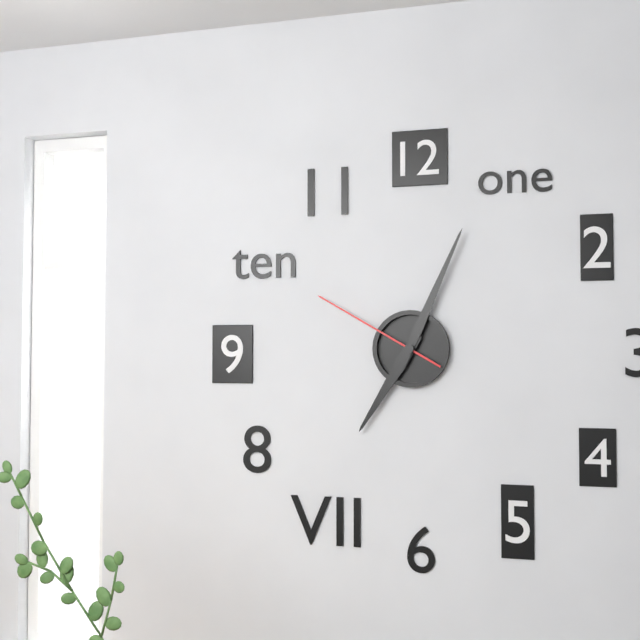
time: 7:04:50
